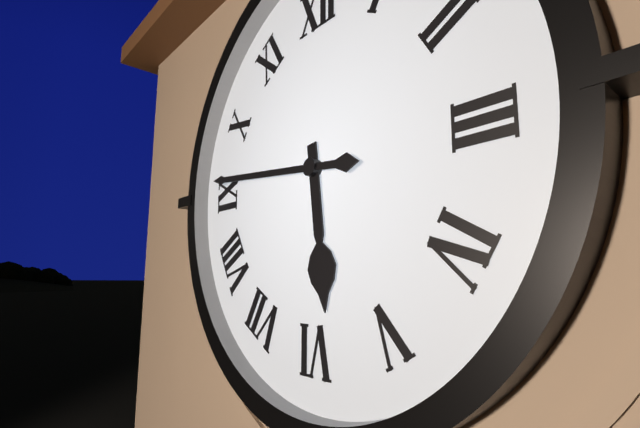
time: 5:46
